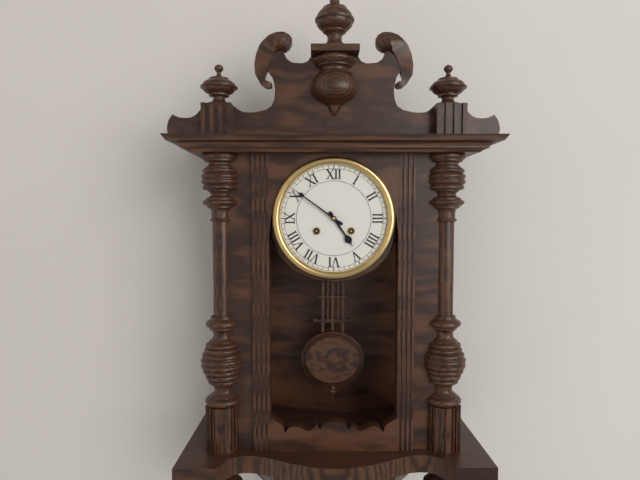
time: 4:51
